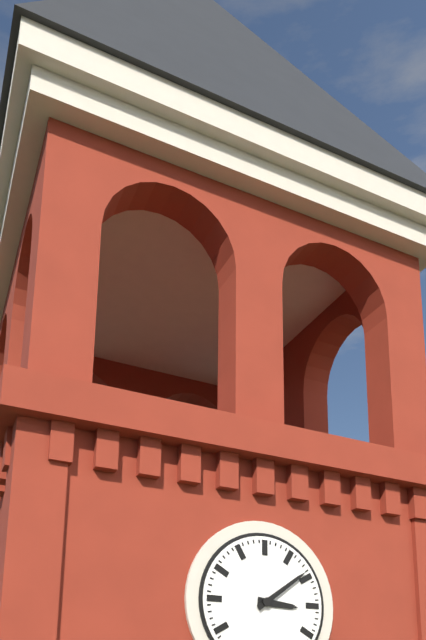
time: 3:09
